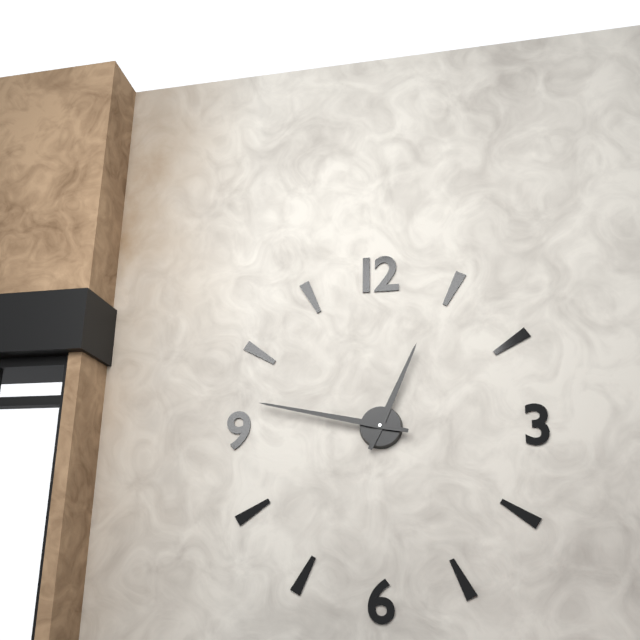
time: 12:47
